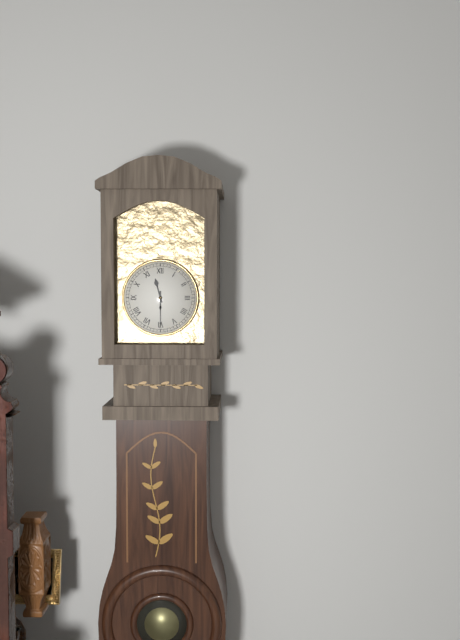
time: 11:30
